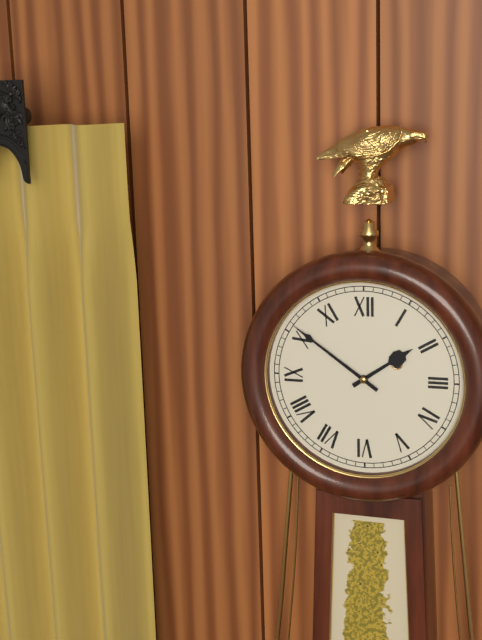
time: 1:51
